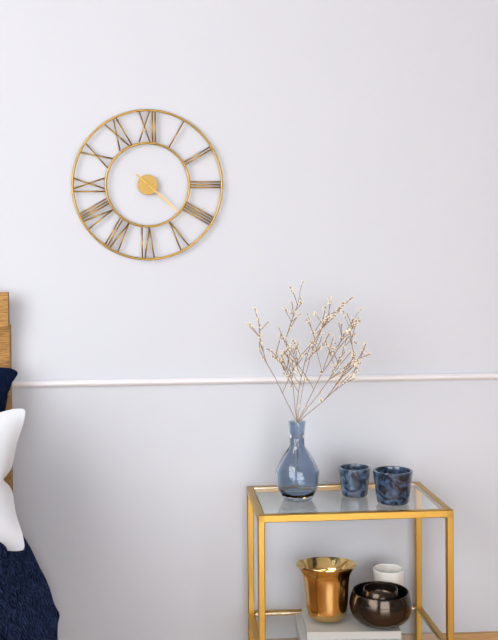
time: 4:22
